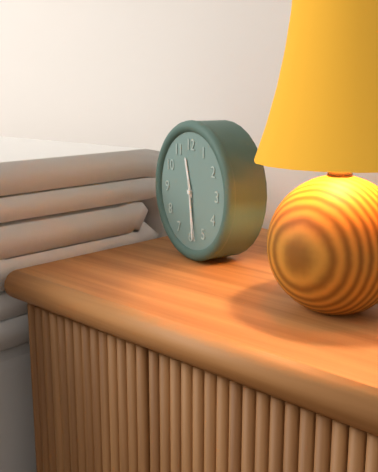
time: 11:29:28
